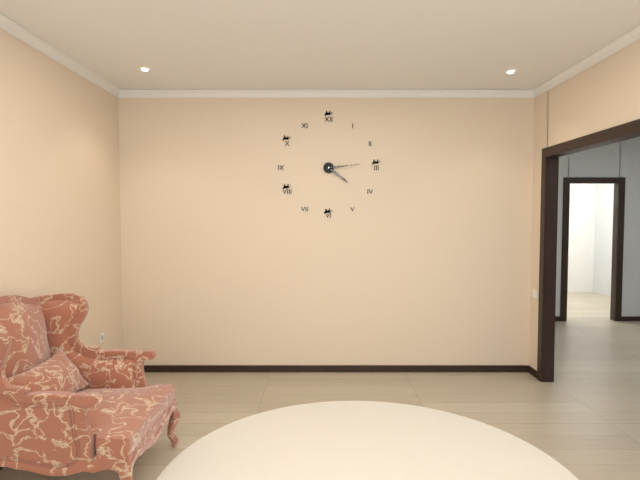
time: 4:14
